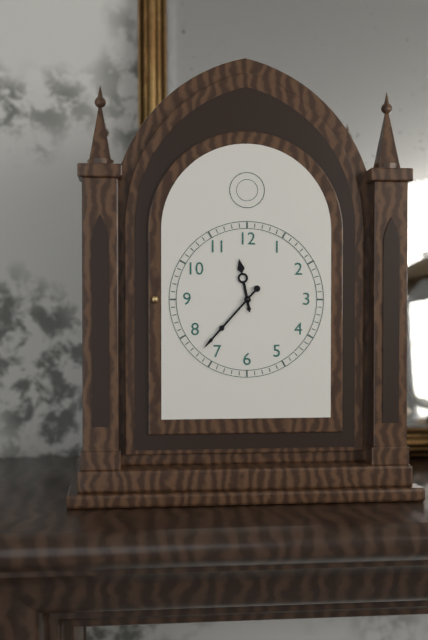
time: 11:37
